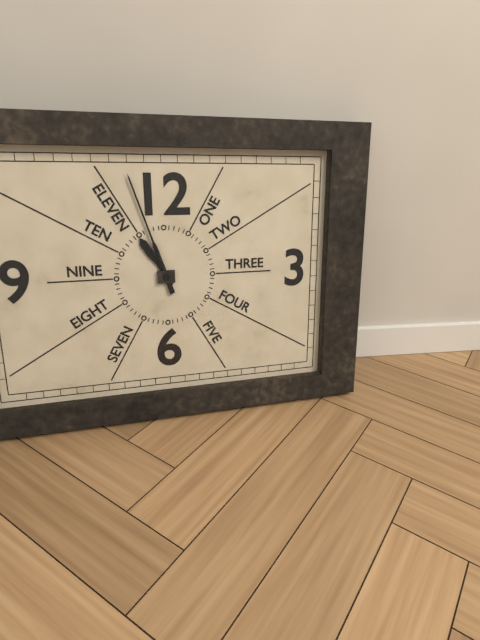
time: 10:57
